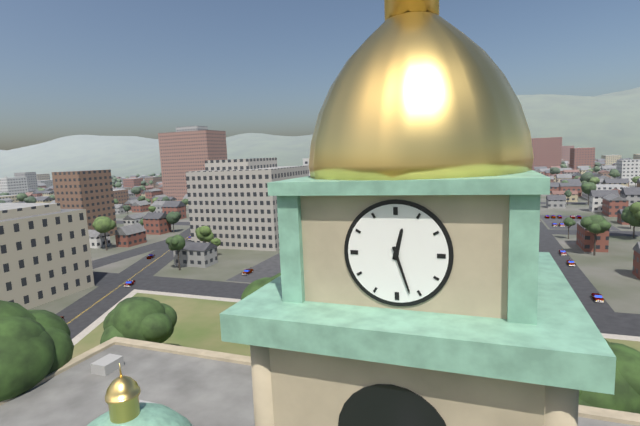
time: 12:27
